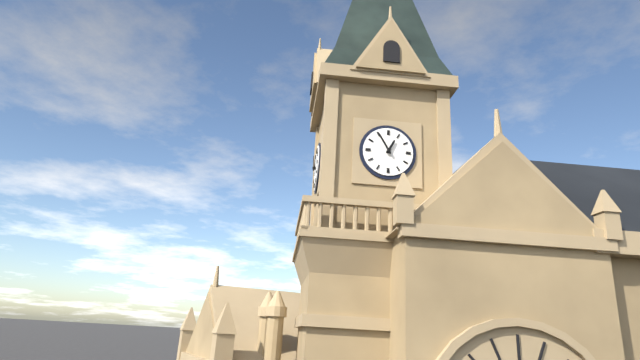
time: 12:55
